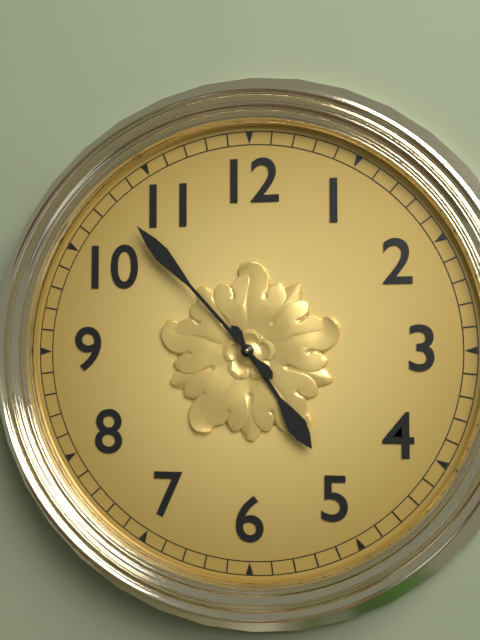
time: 4:53
